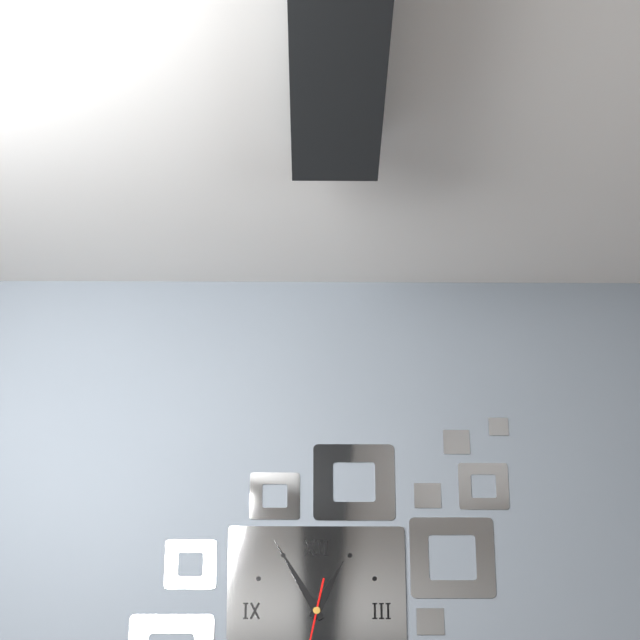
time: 12:55
